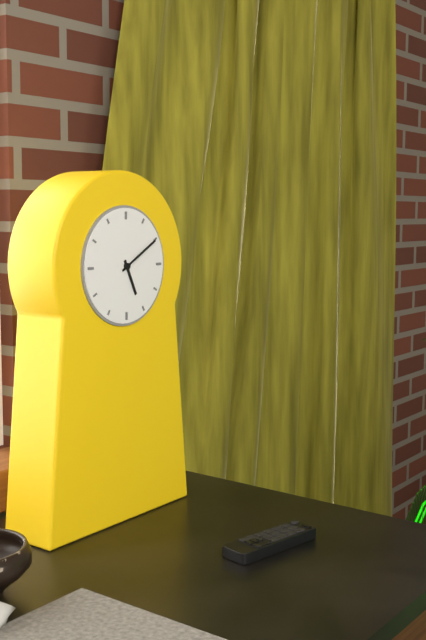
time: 5:10
